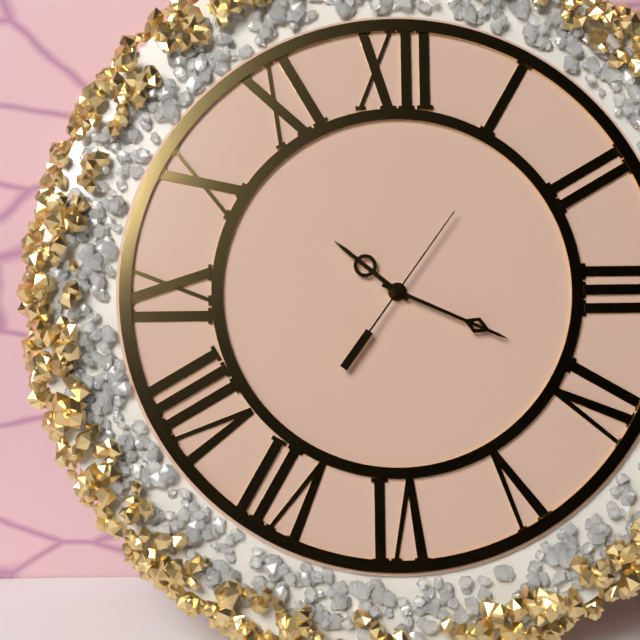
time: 10:19:06
